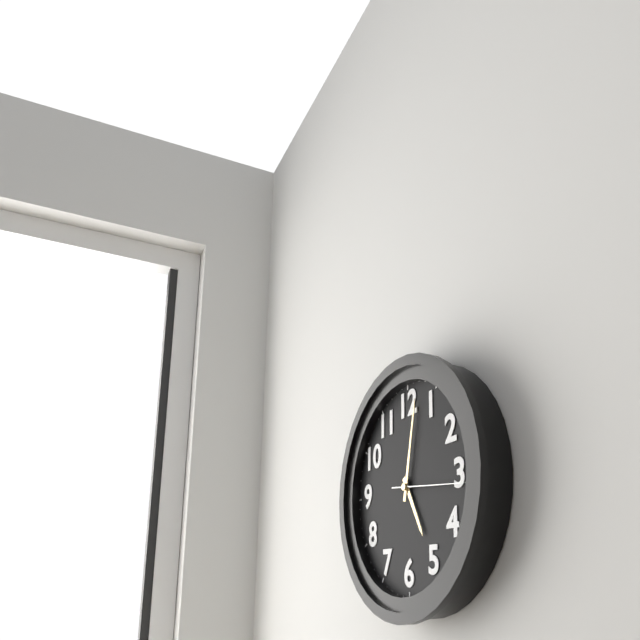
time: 5:02:16
